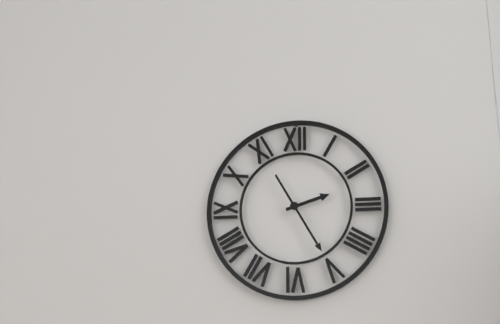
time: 2:25
